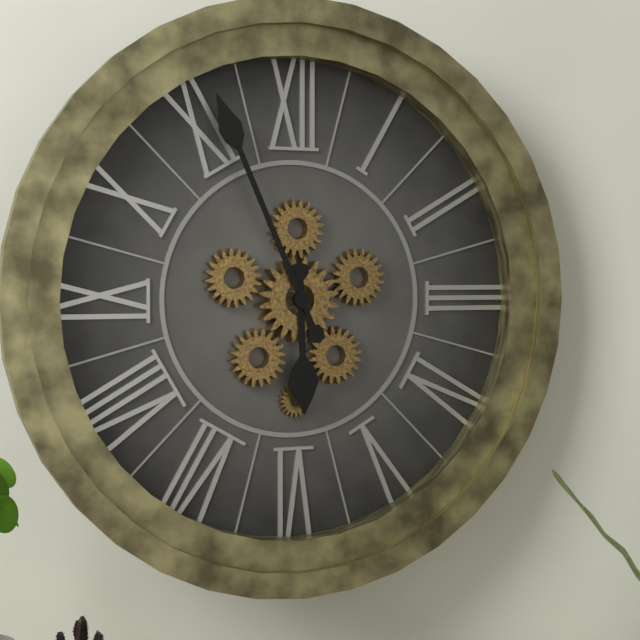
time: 5:56
